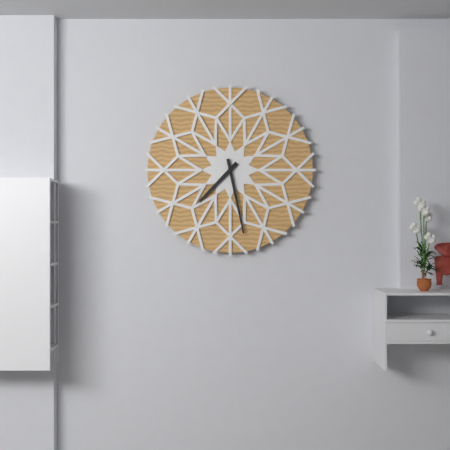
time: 7:28
